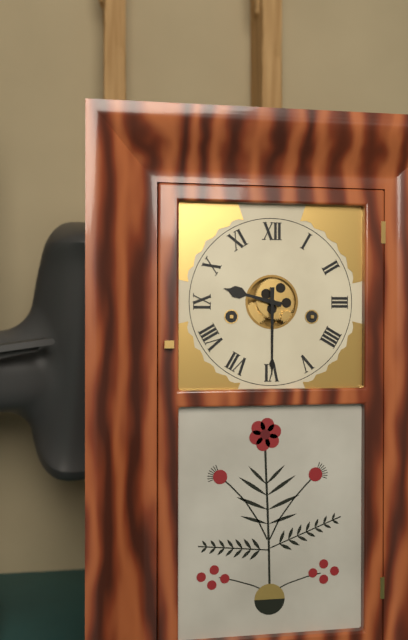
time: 9:30
